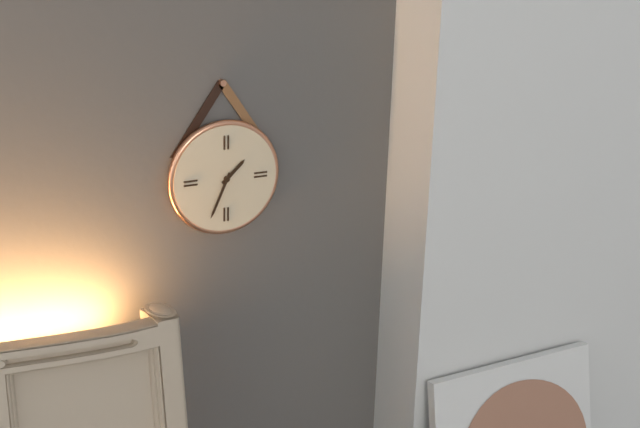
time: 1:34
